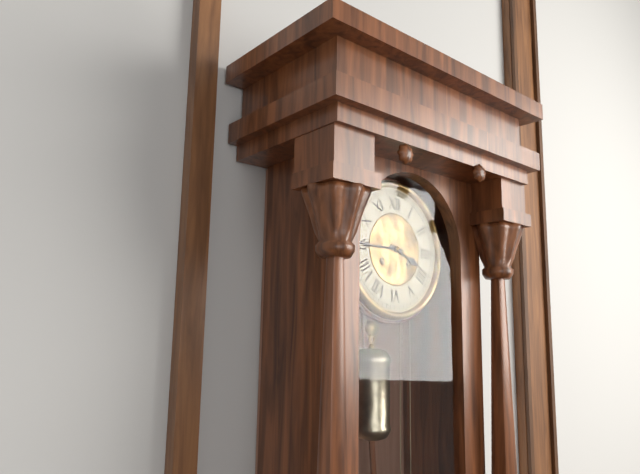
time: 3:45
